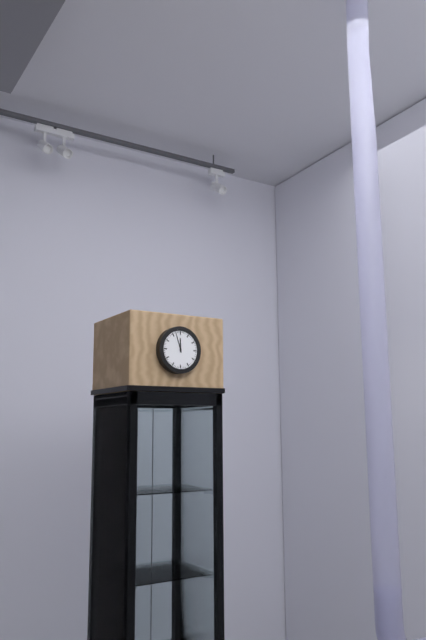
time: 11:57
